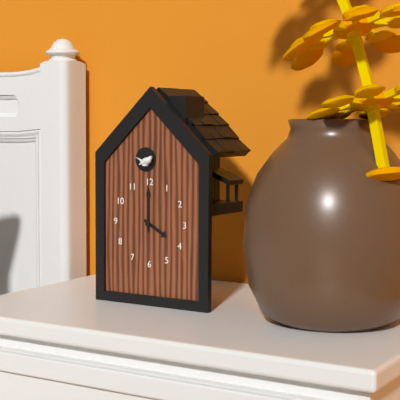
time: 4:00
